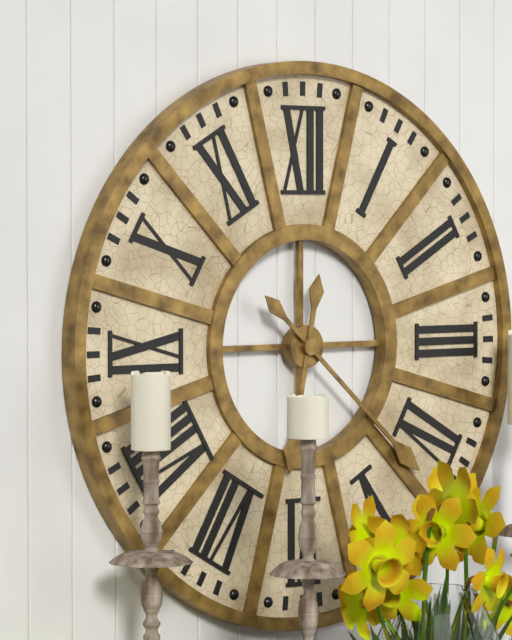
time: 6:22
